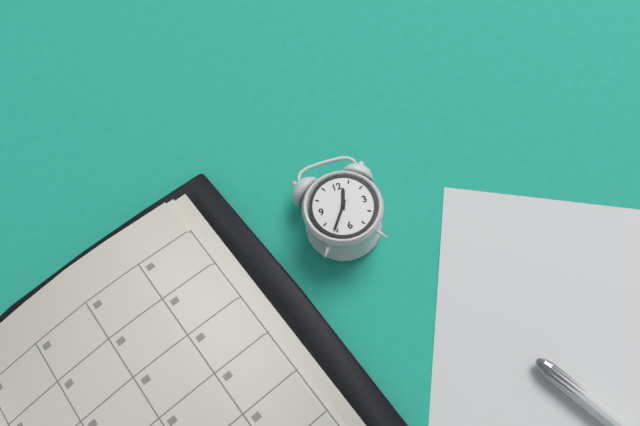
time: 12:36
